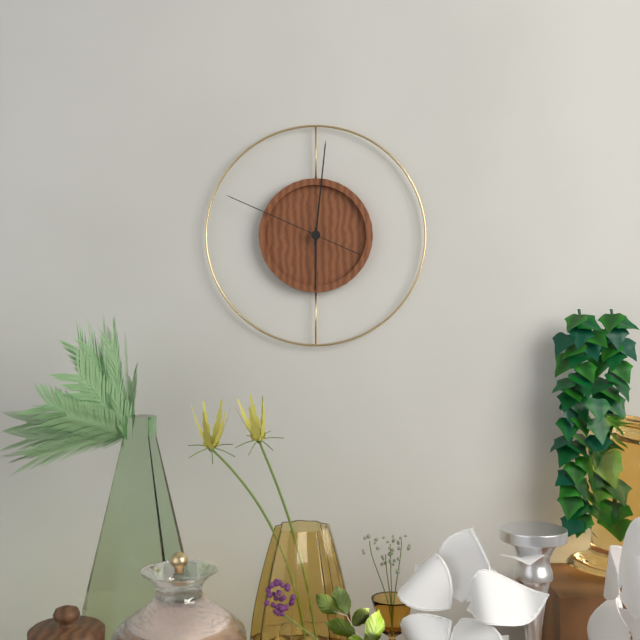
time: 6:01:49
